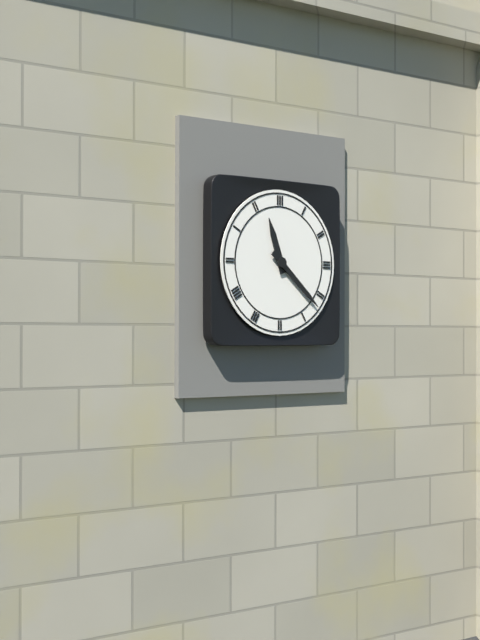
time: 11:22
